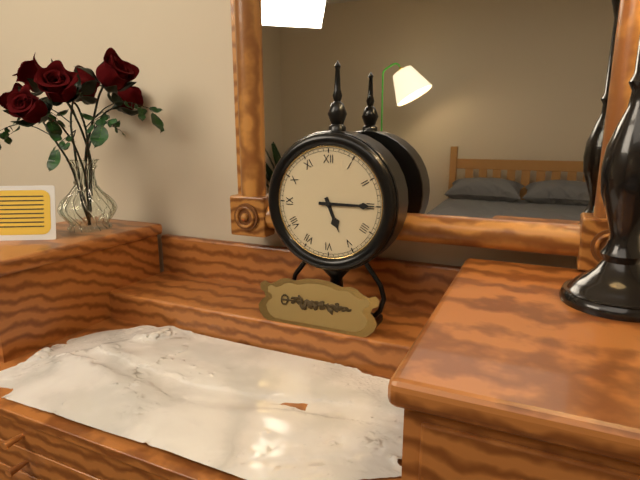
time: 5:15
